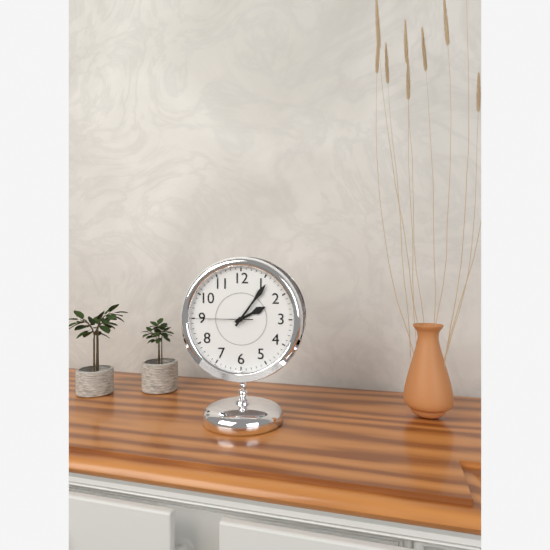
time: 2:06:45
